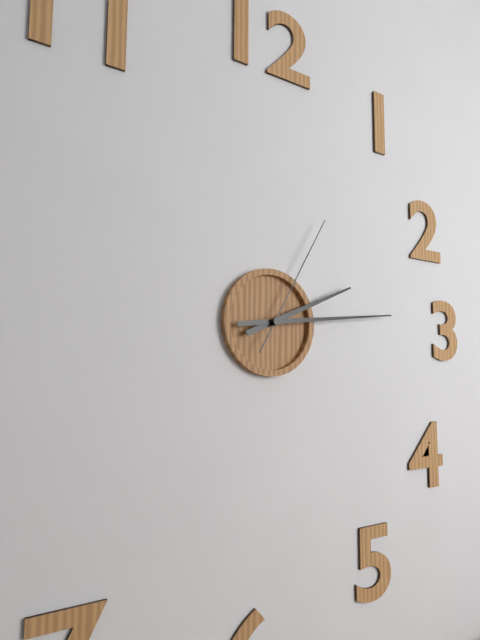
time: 2:14:05
